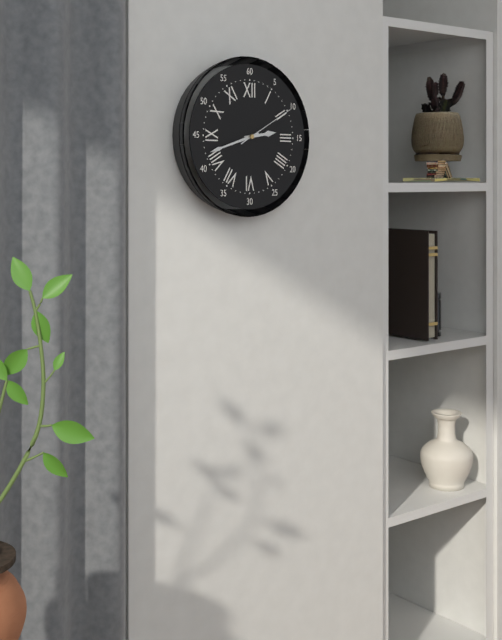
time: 2:42:10
